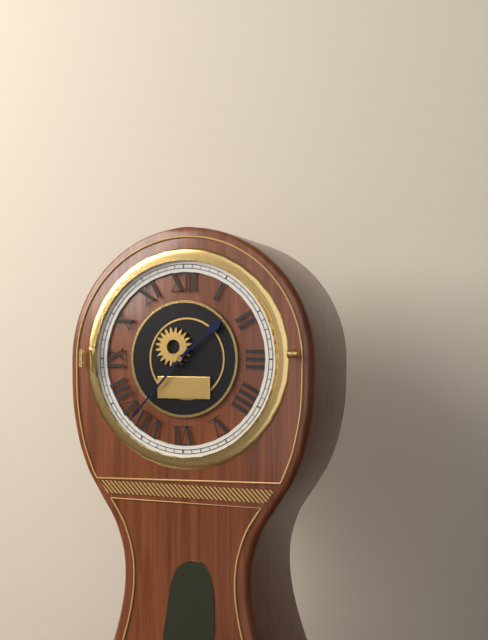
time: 1:37
